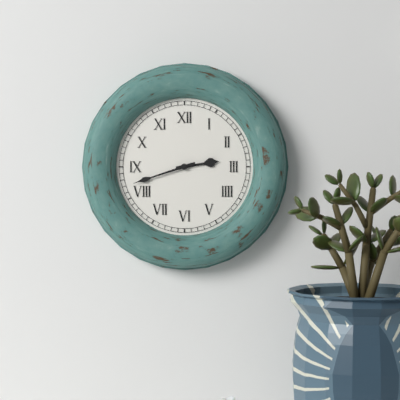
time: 2:42
